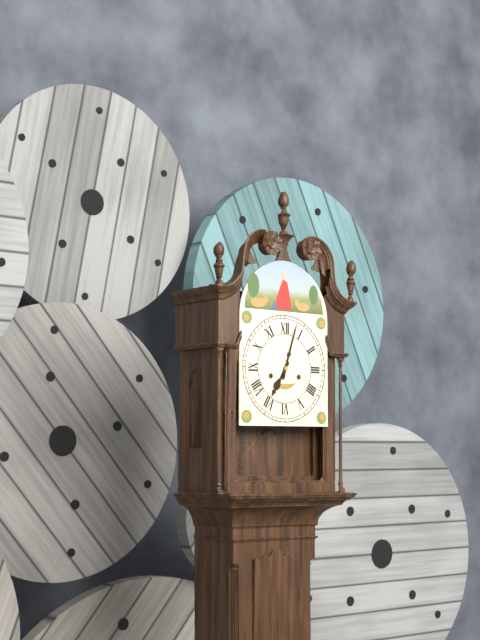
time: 7:03
